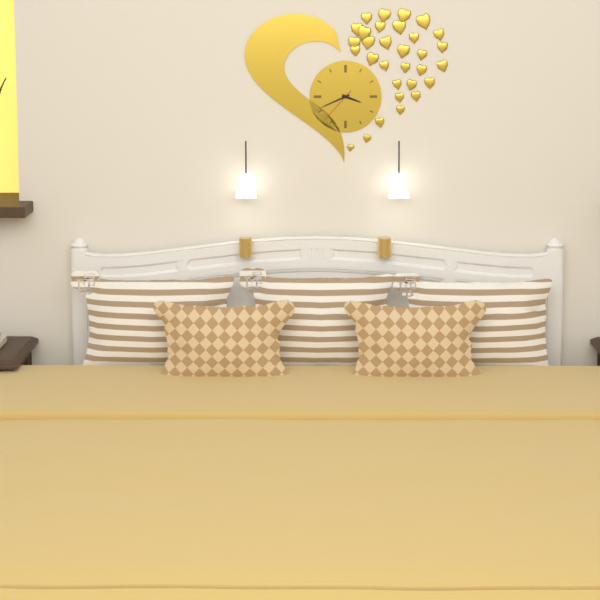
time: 3:41
